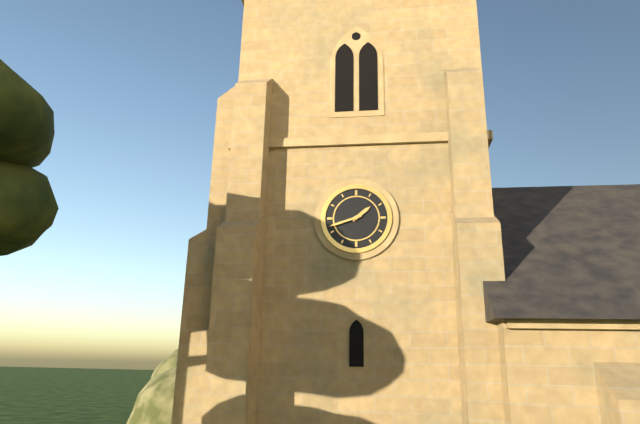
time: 1:42
